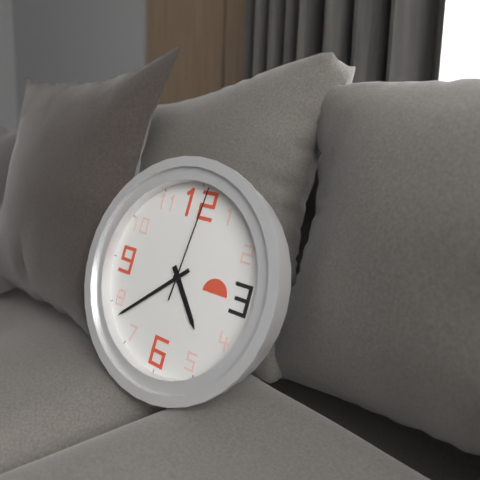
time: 4:38:01
